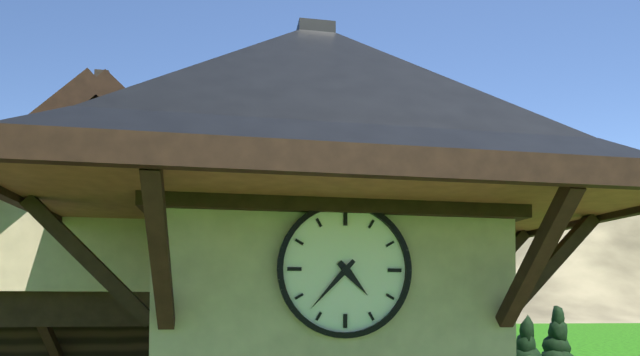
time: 4:37
